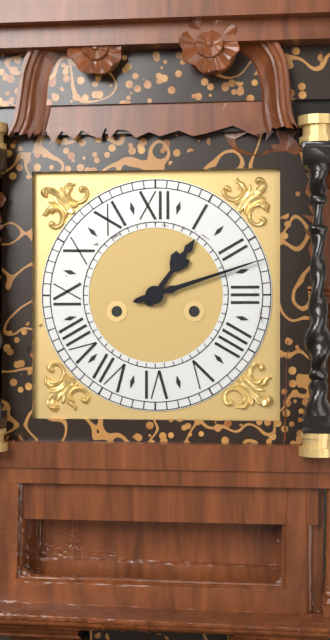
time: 1:12
